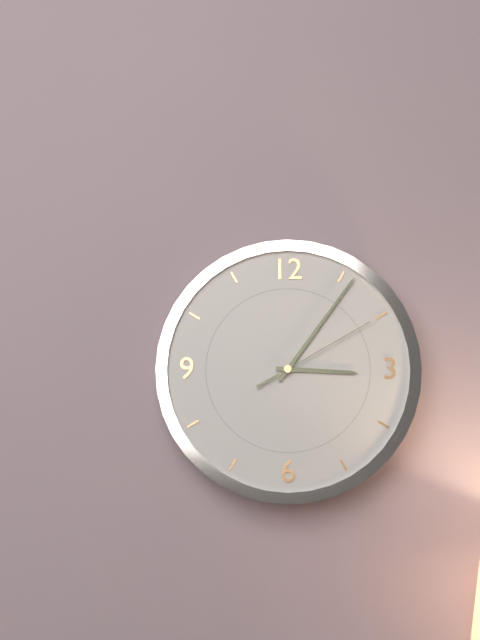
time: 3:06:10
